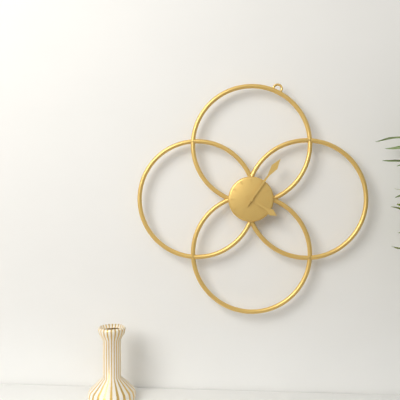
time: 4:06
